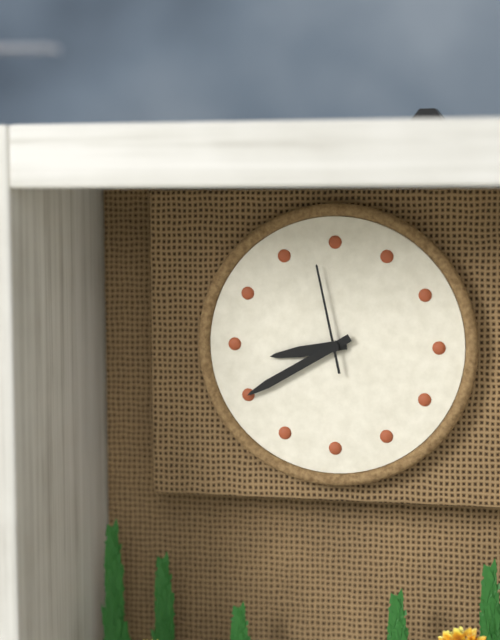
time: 8:40:58
